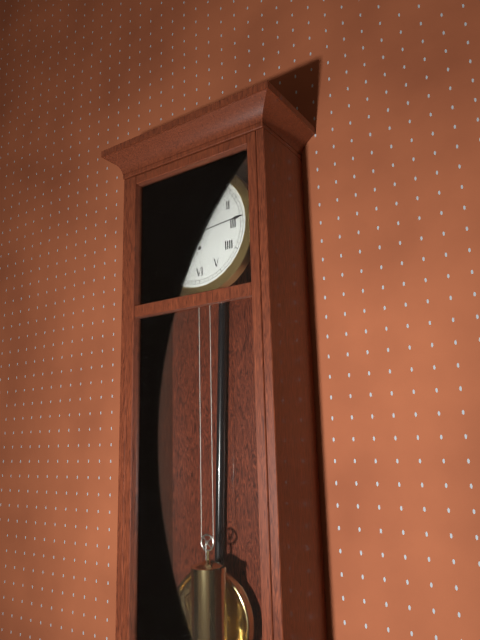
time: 11:14
